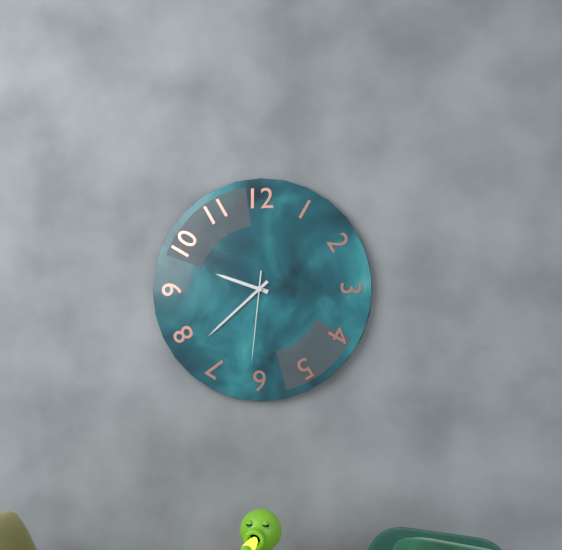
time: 9:38:31
